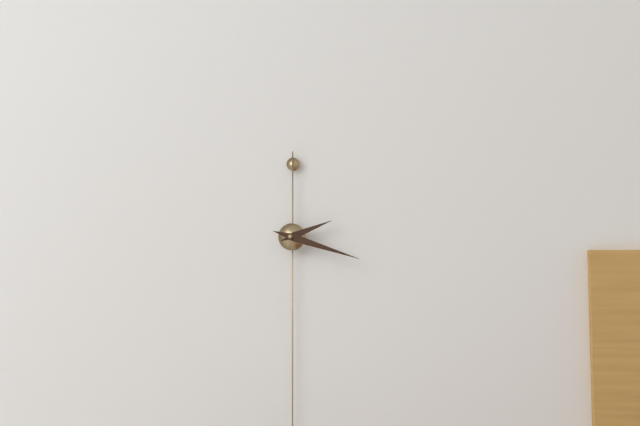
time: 2:18
